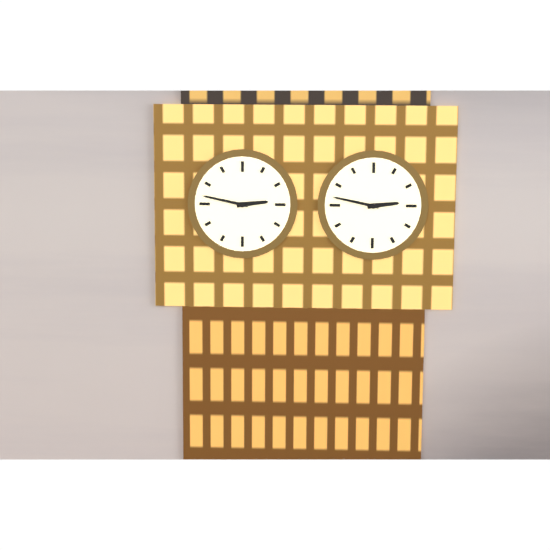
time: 2:47
